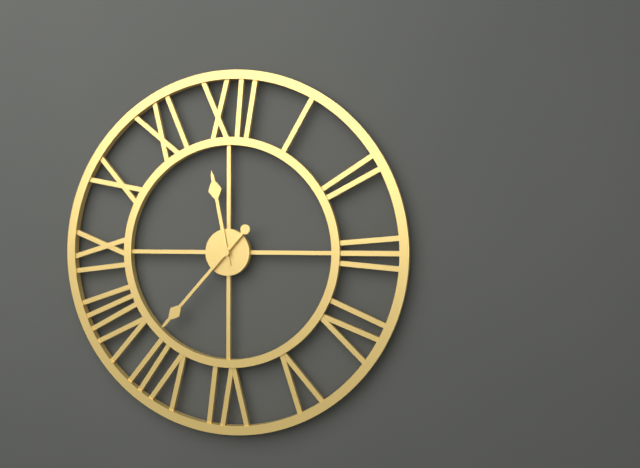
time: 11:37
